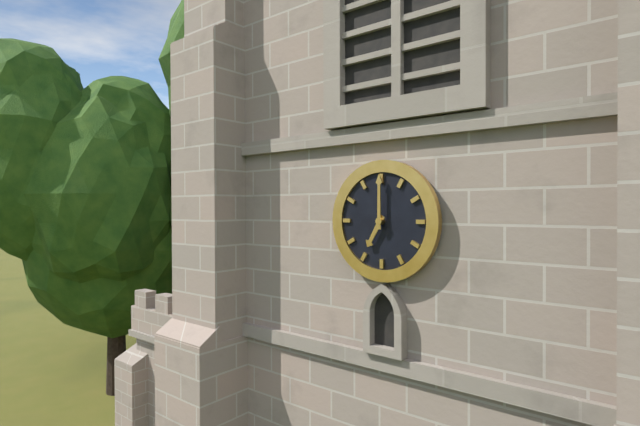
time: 7:00
